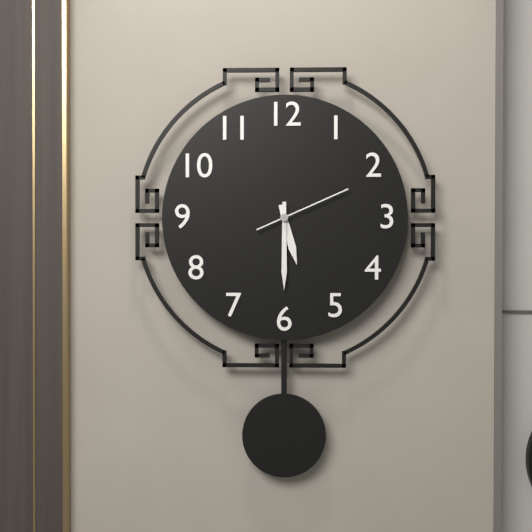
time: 5:30:11
